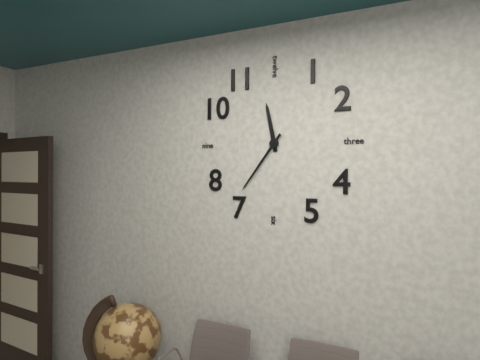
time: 11:36
